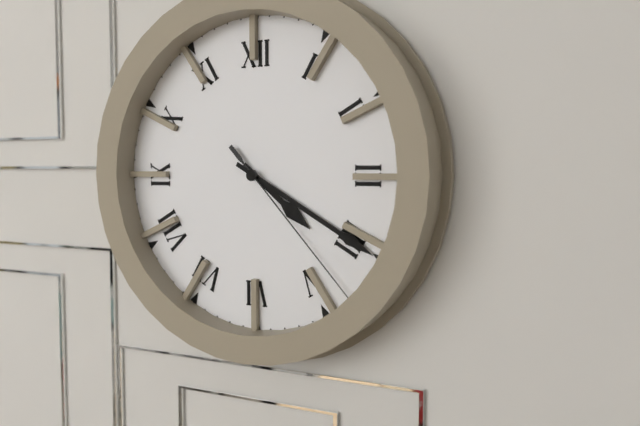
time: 4:20:23
